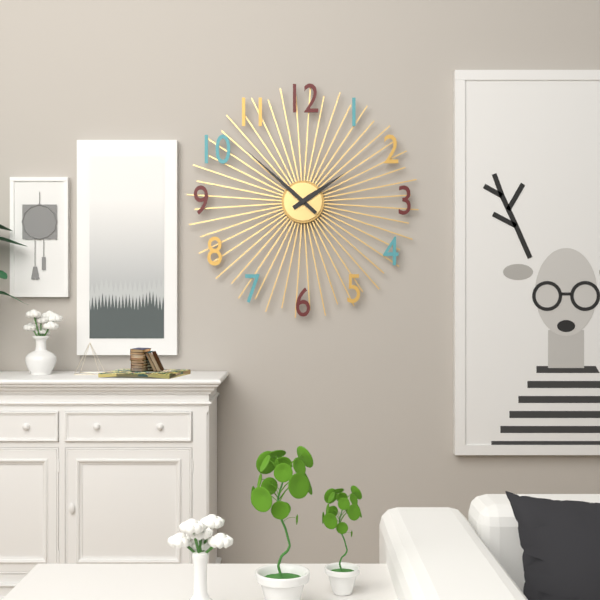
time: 1:52
